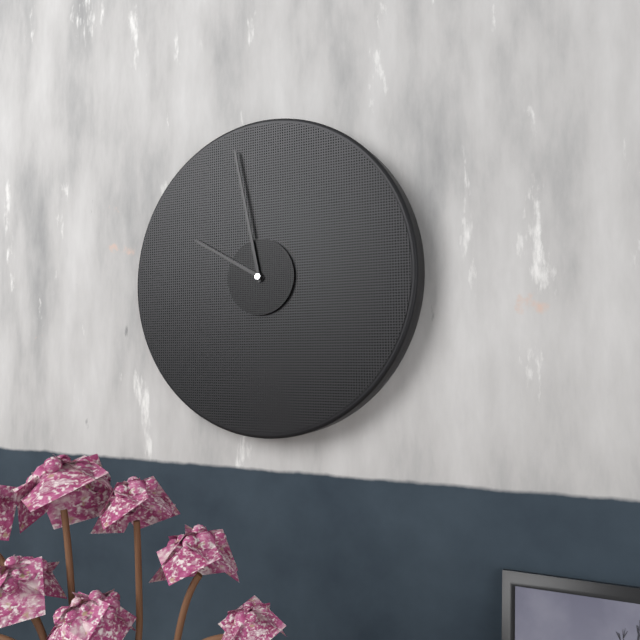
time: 9:58
